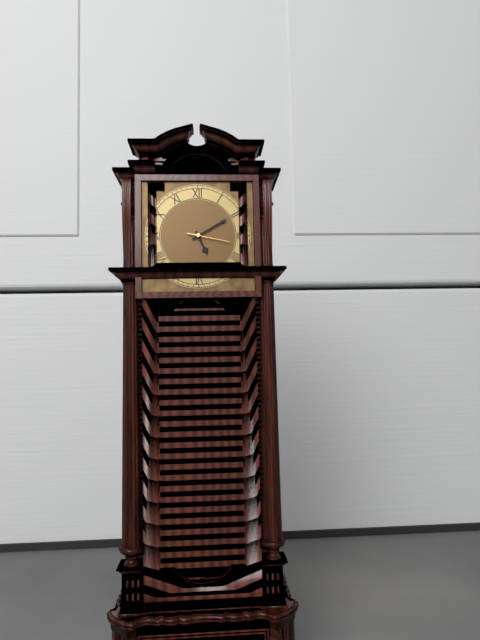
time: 5:10
